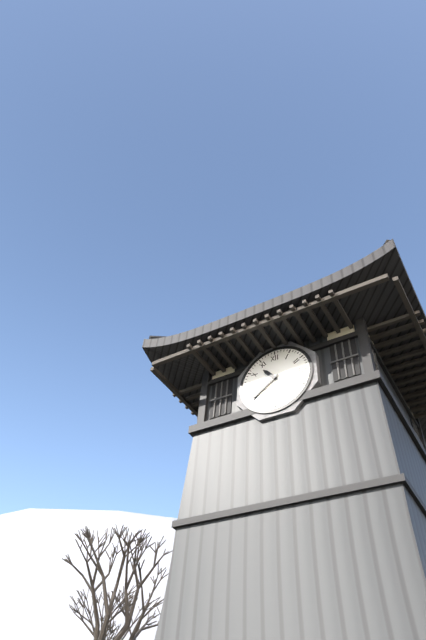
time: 10:39
